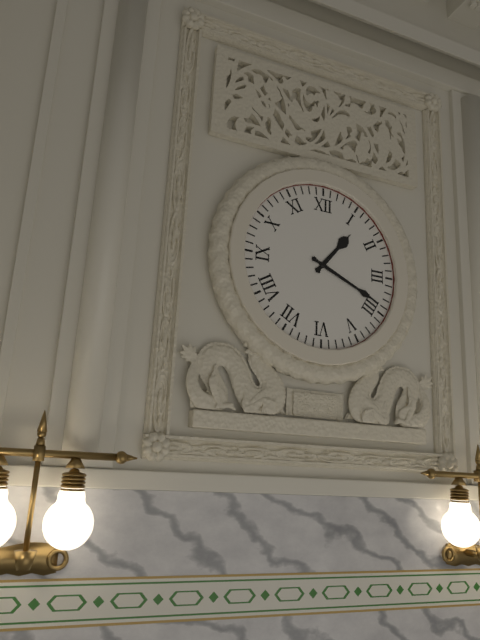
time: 1:19
